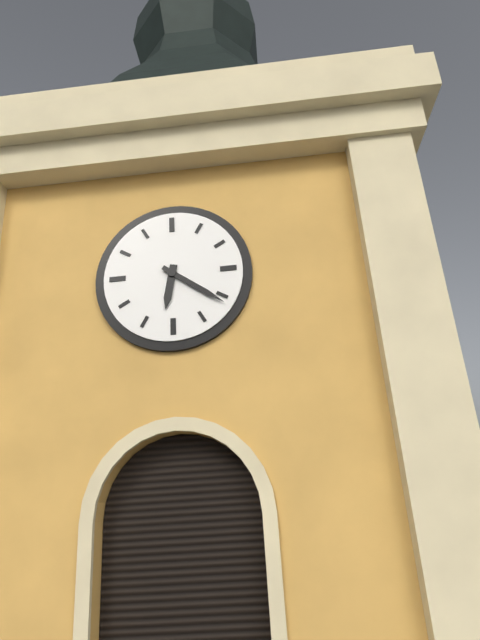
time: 6:21
